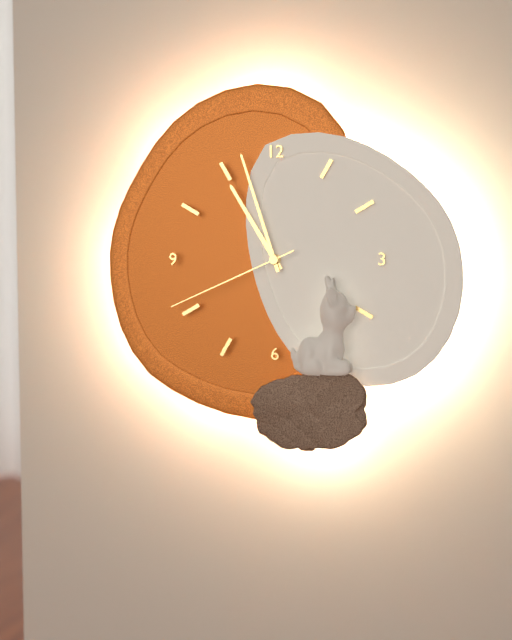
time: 10:57:41
